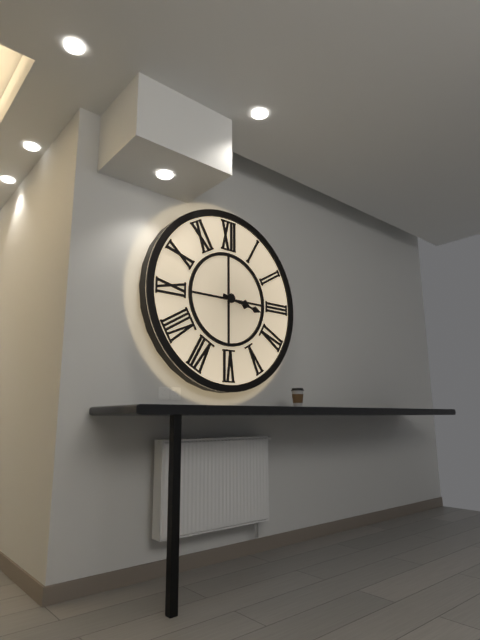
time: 3:17
